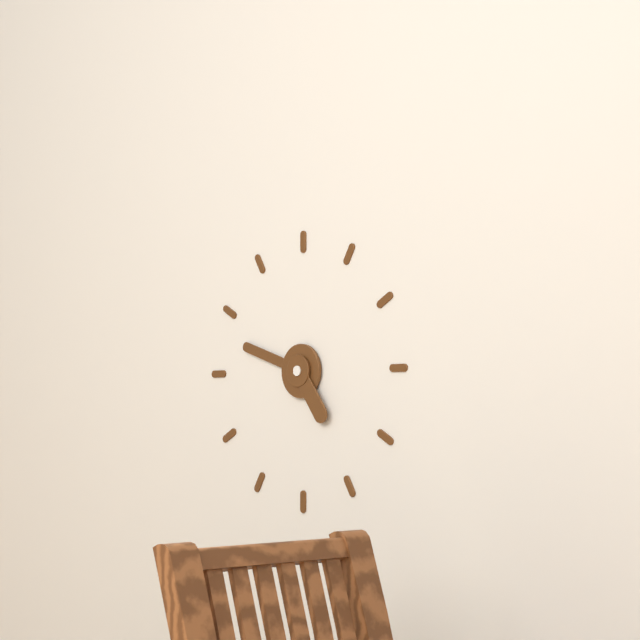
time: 4:48
